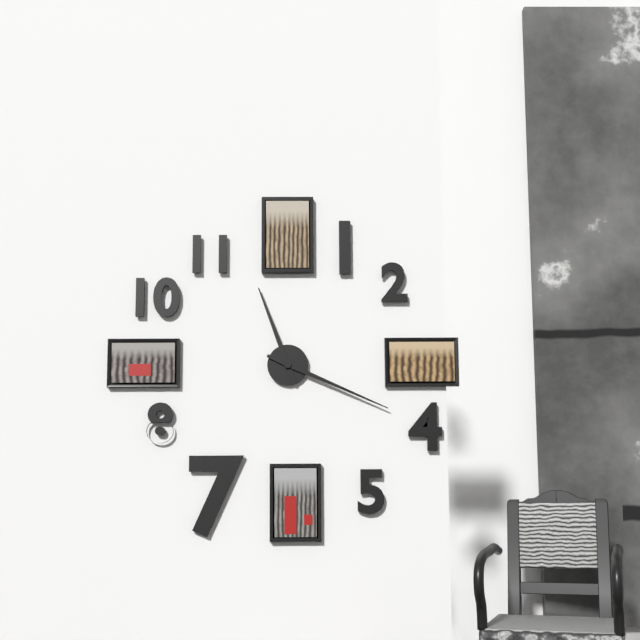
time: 11:19
